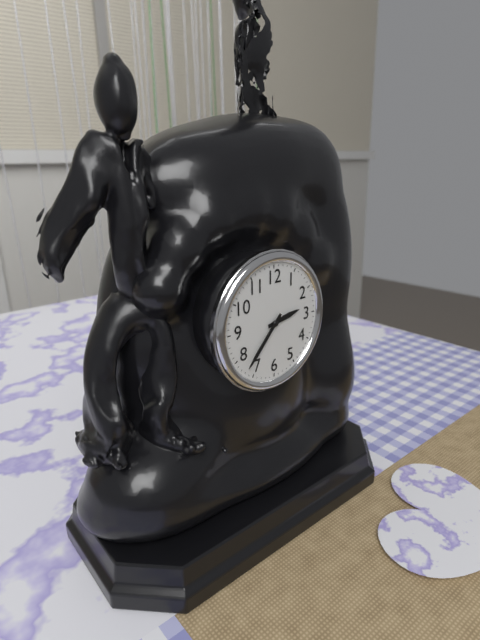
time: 2:37
